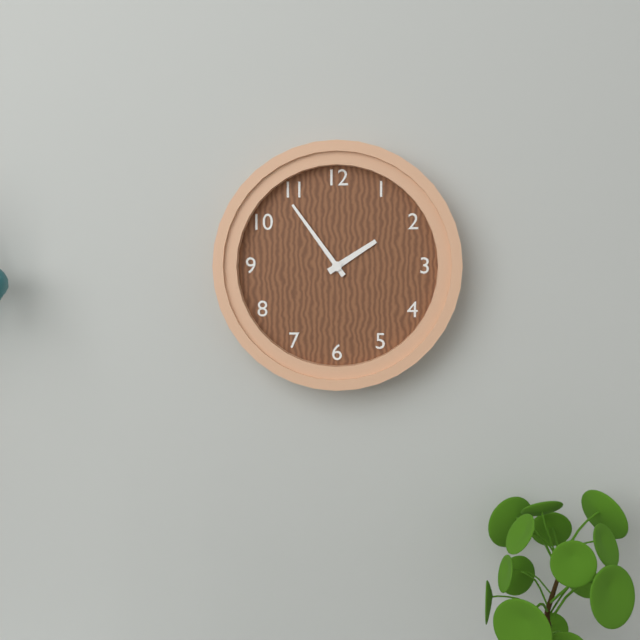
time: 1:54
